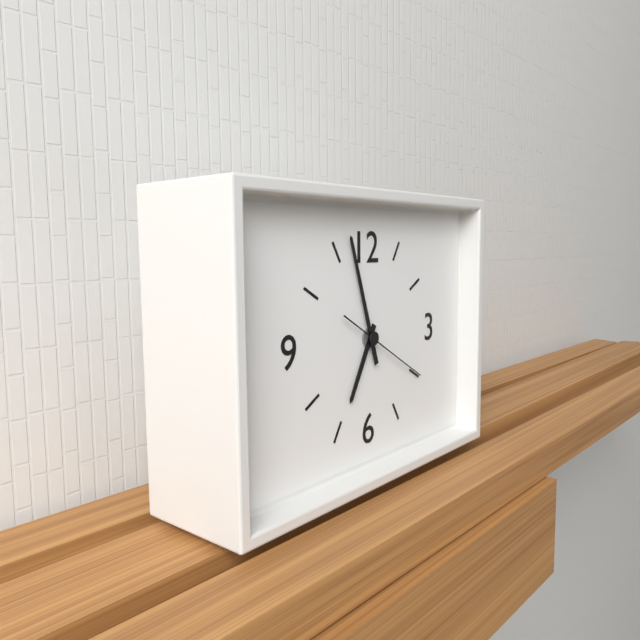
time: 6:57:20
